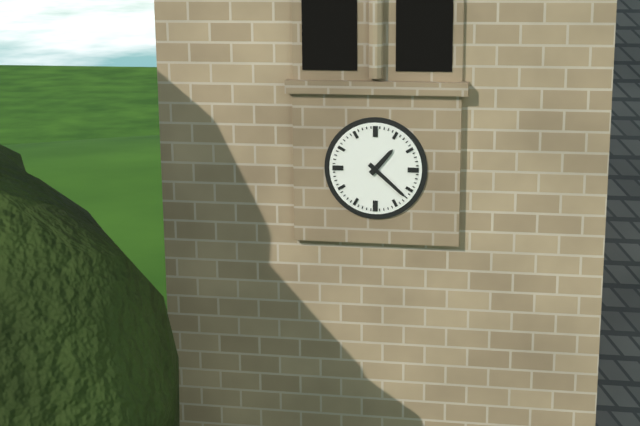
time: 1:22
